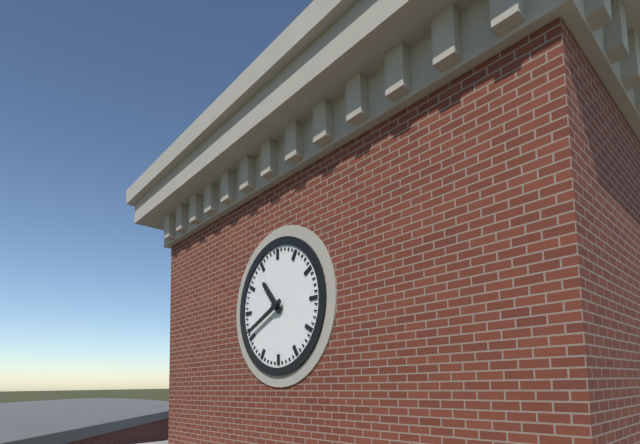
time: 10:41
